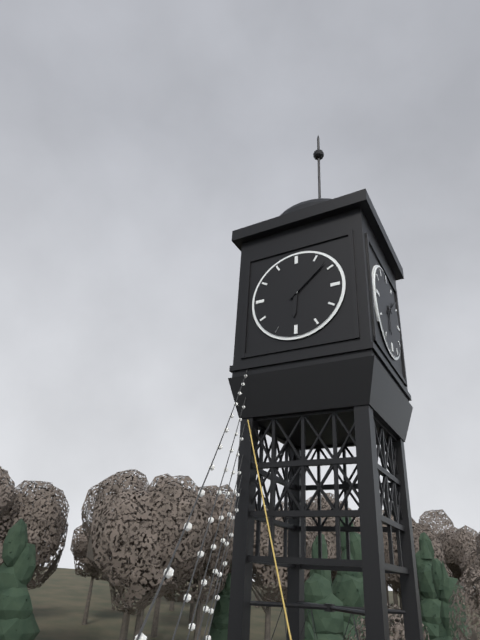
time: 6:08
